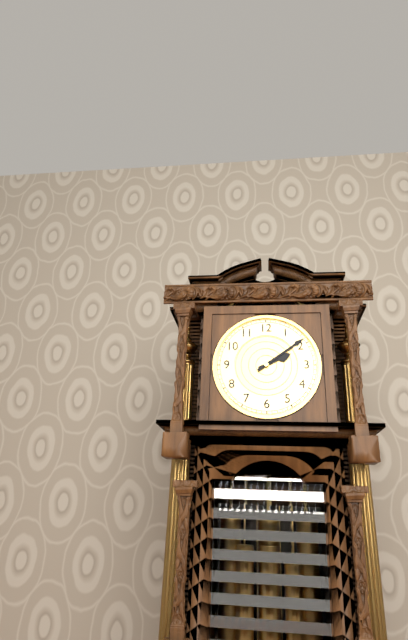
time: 2:09
